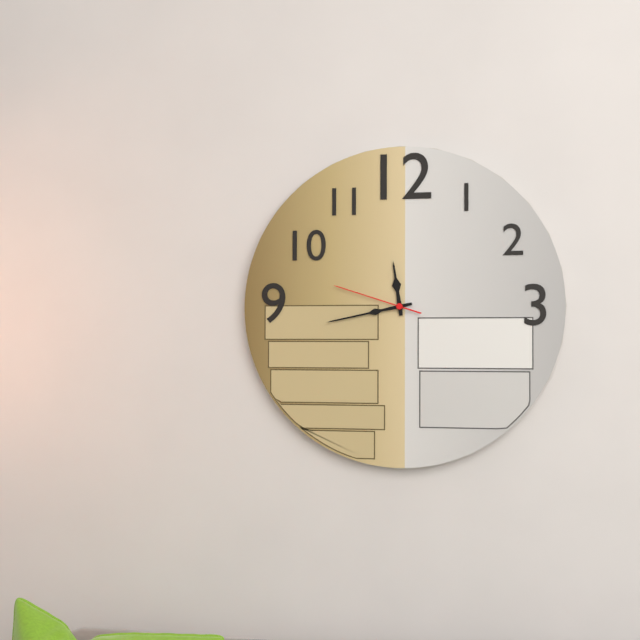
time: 11:43:48
